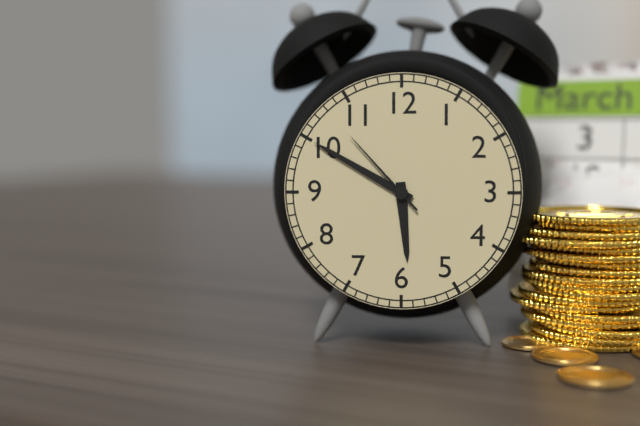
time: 5:50:53
